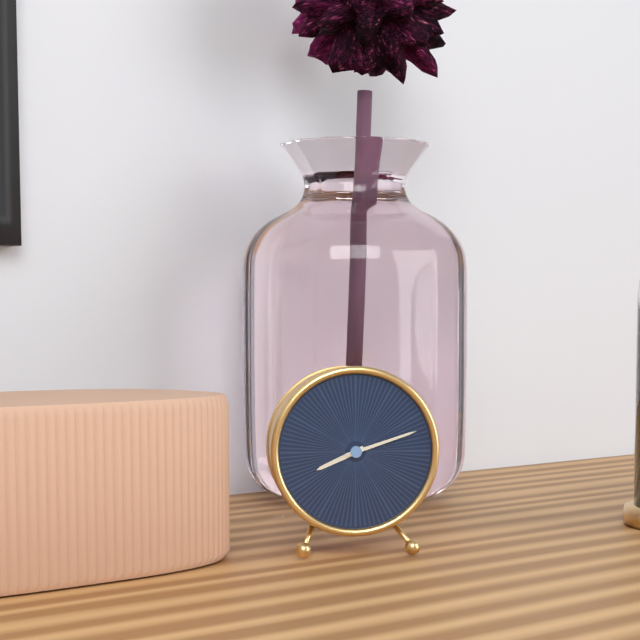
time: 8:12
